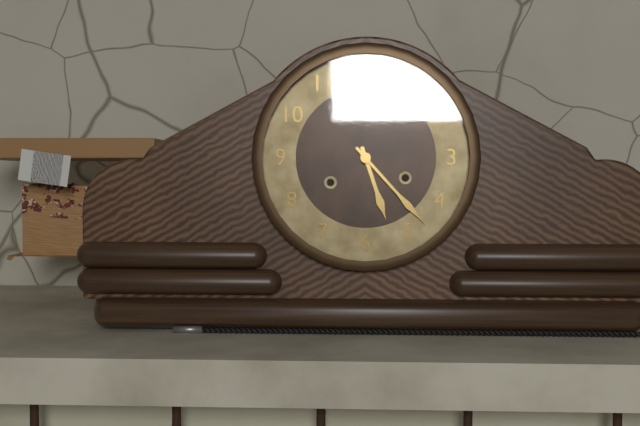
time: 5:23
